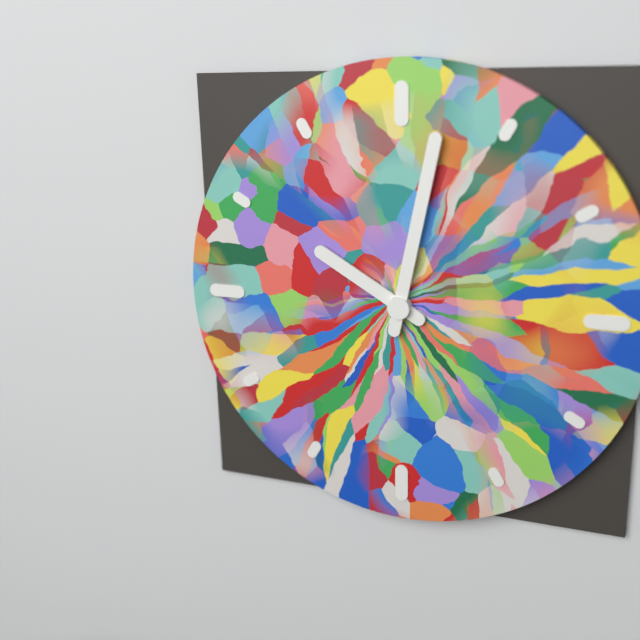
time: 10:02
